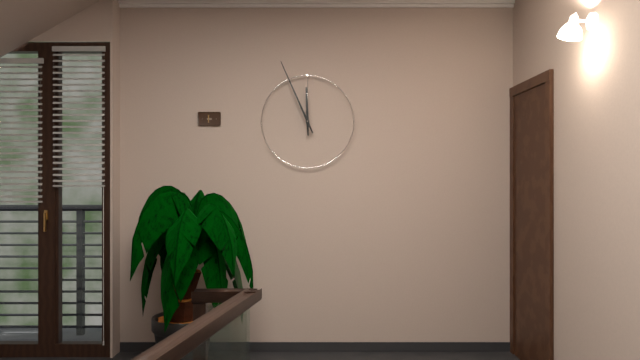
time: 11:56
